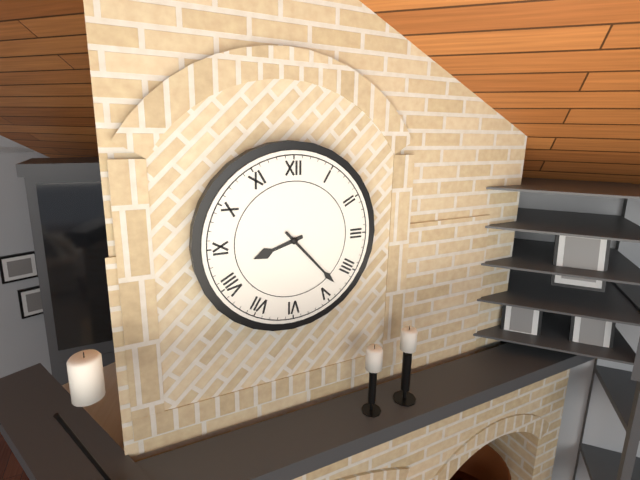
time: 8:23
